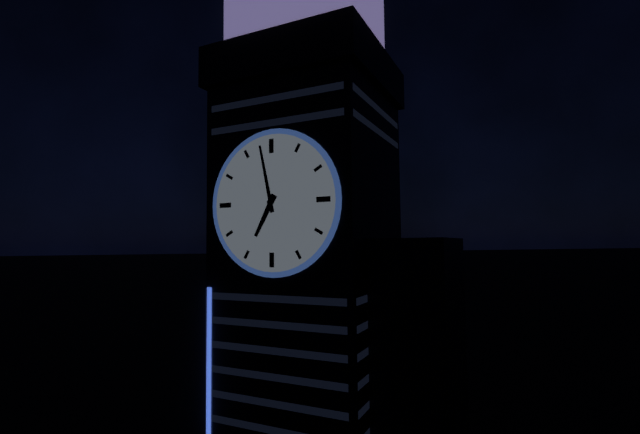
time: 6:58
